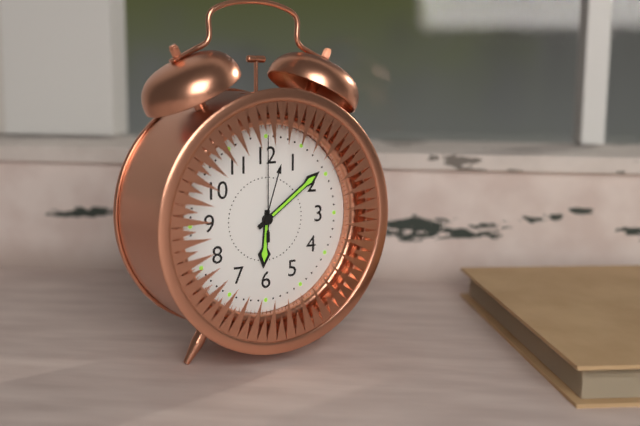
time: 6:09:00
